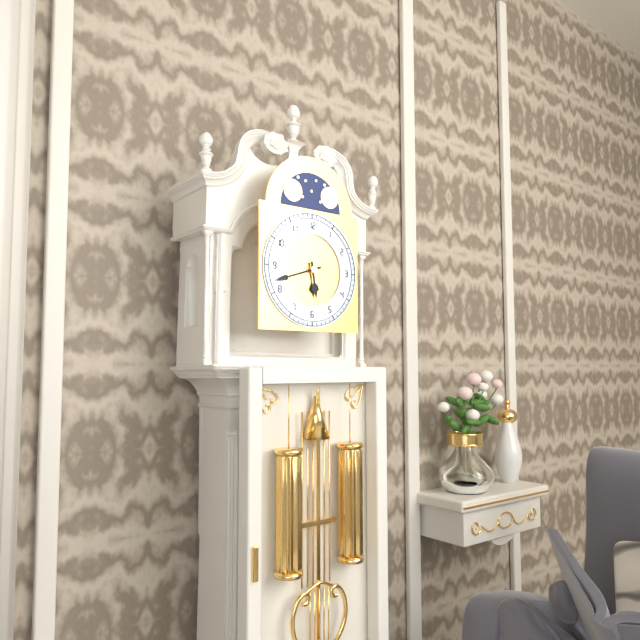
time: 5:42
